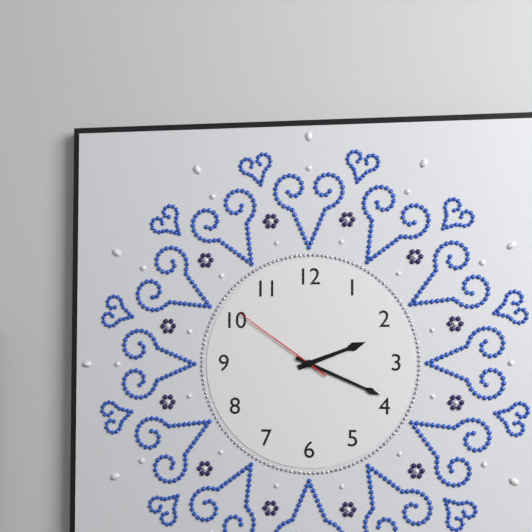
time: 2:19:51
